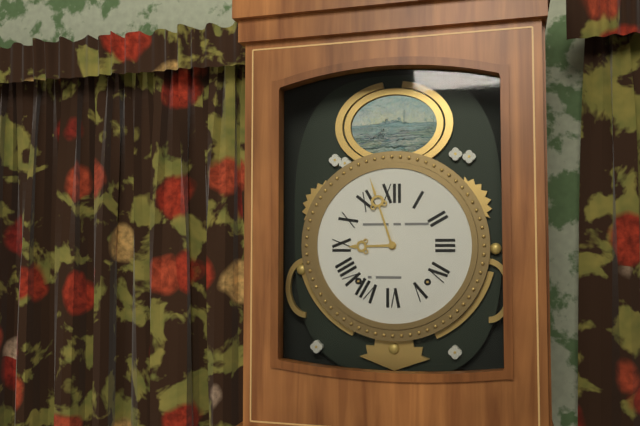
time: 8:57
